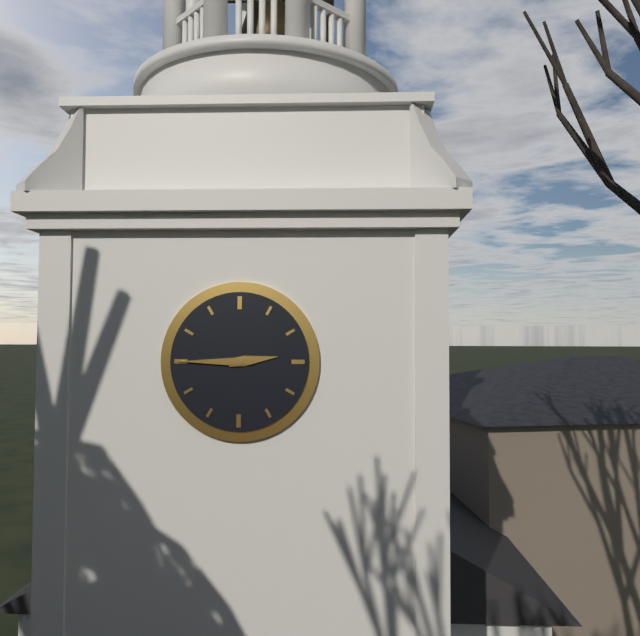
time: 2:45
